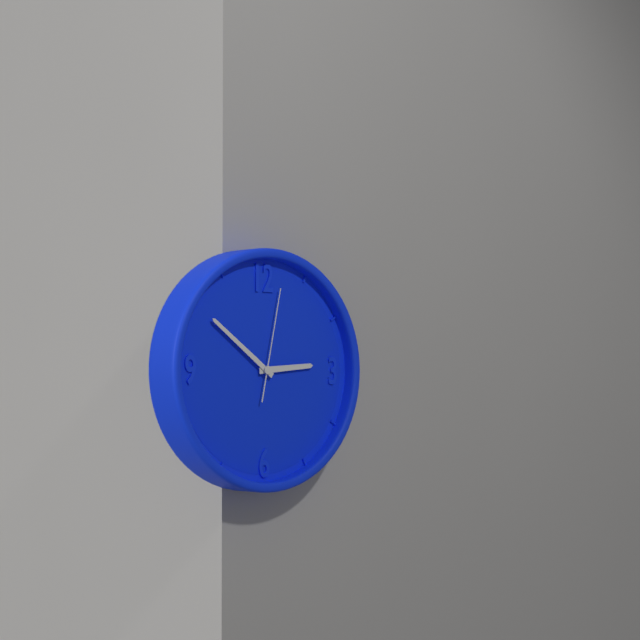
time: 2:51:02
